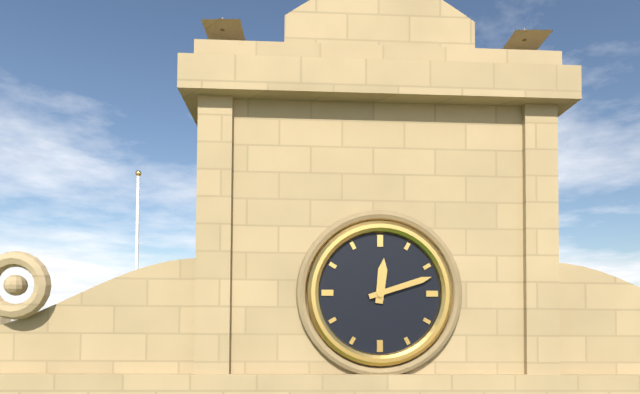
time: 12:12
